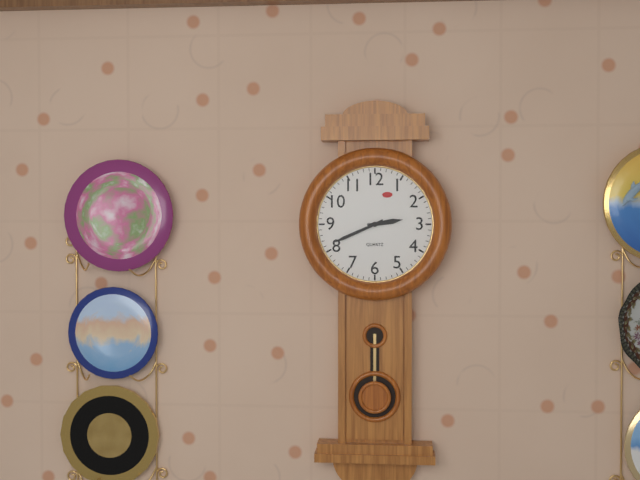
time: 2:41
